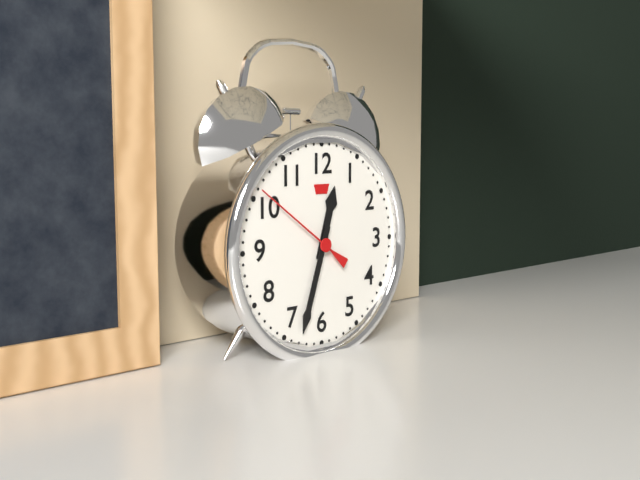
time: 12:33:51
